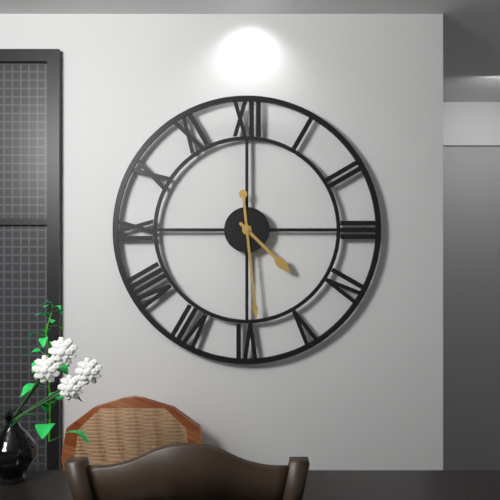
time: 4:29
